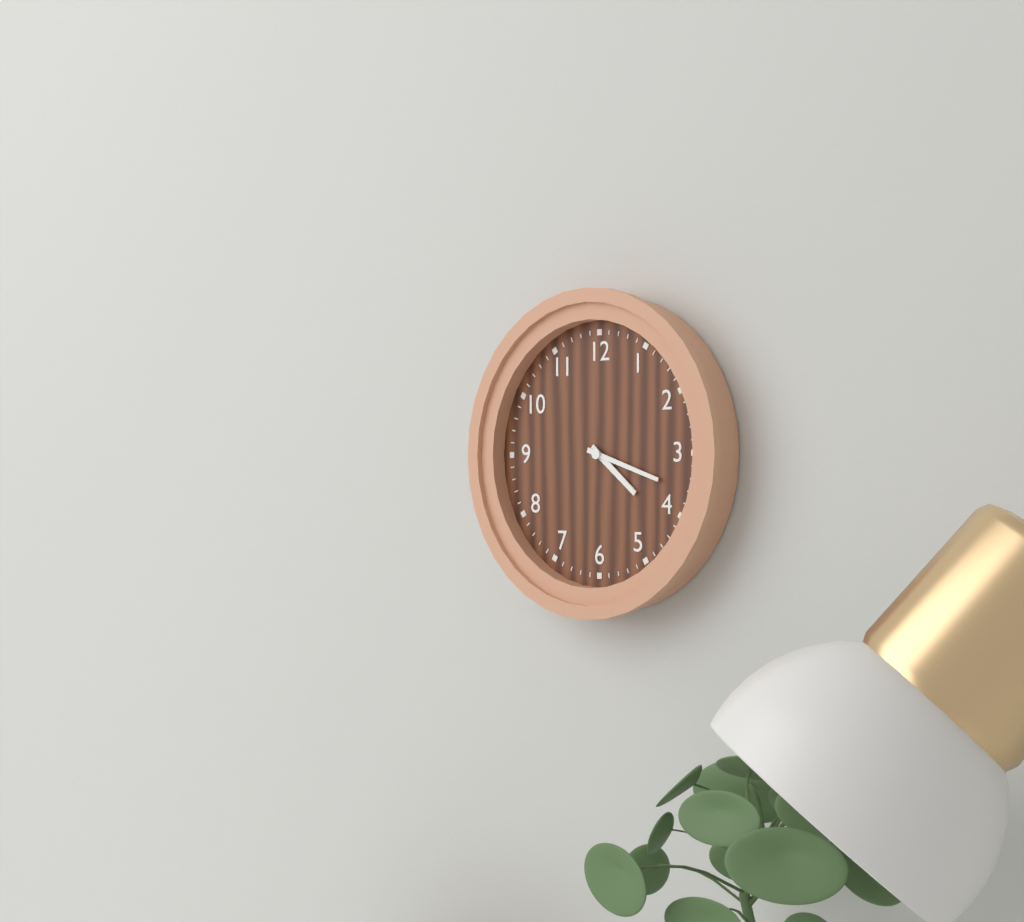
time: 4:18
